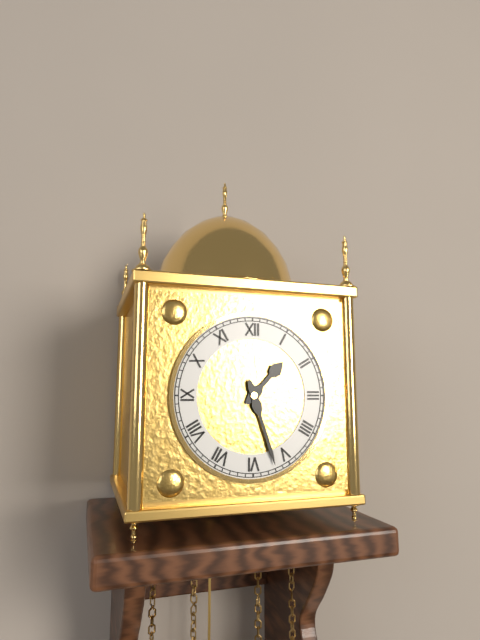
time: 1:27
